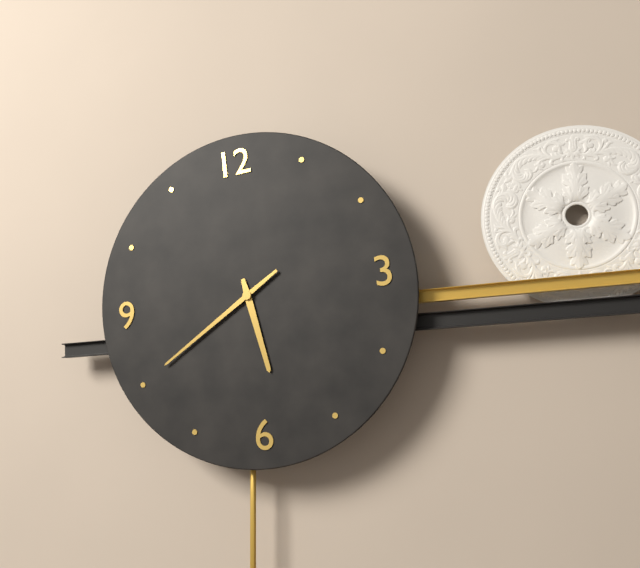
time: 5:40
